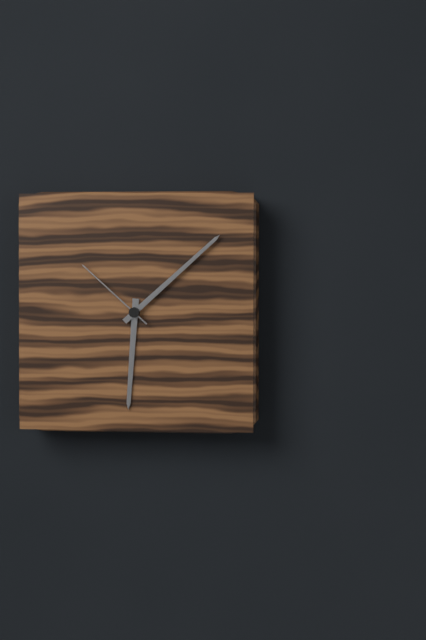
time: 6:08:52
